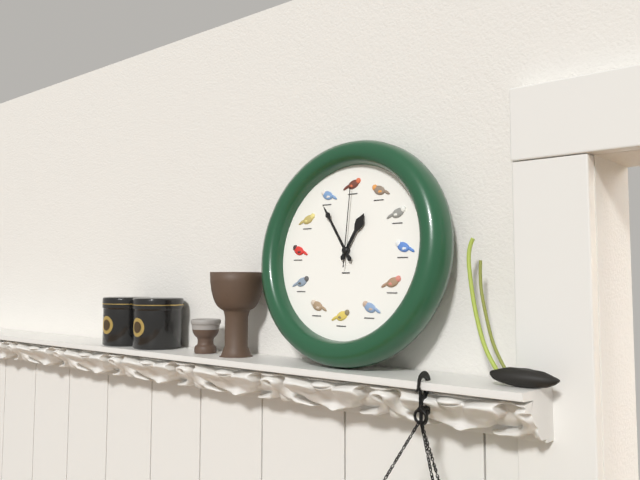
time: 12:54:00
